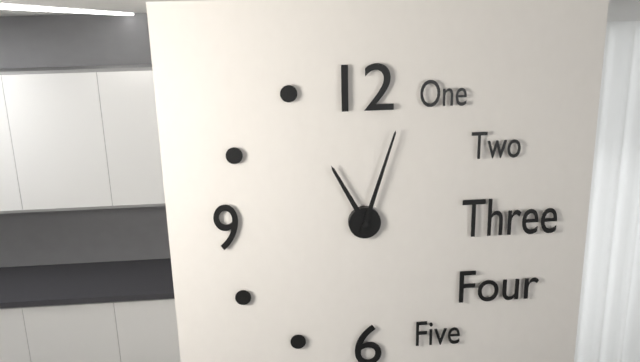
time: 11:03
